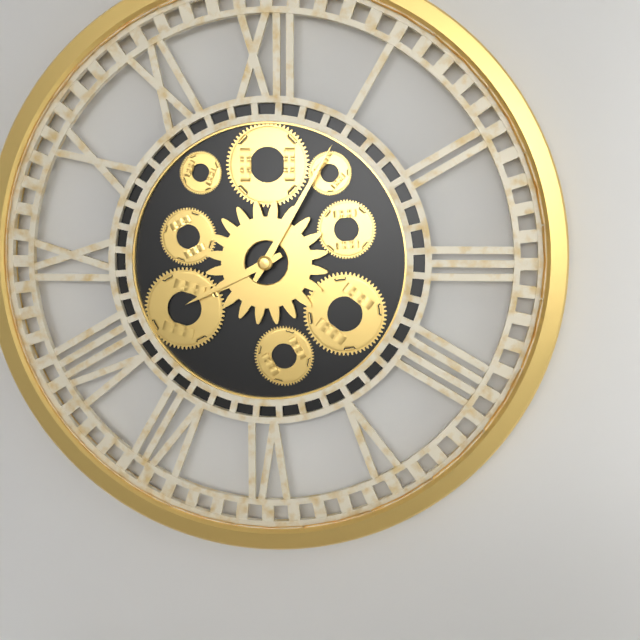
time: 8:05
